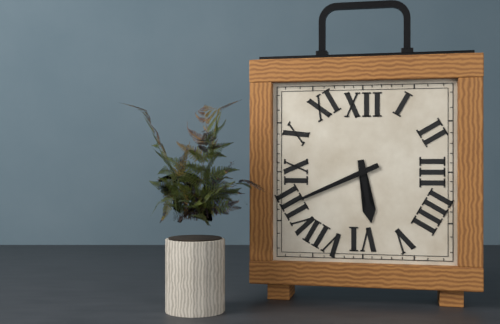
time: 5:41
